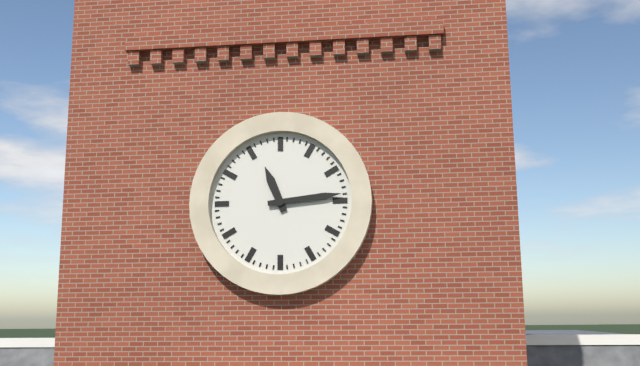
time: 11:14
